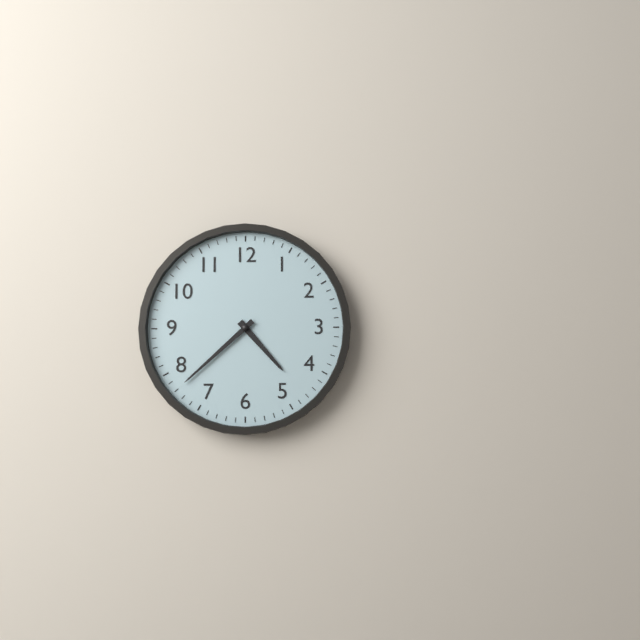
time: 4:38
